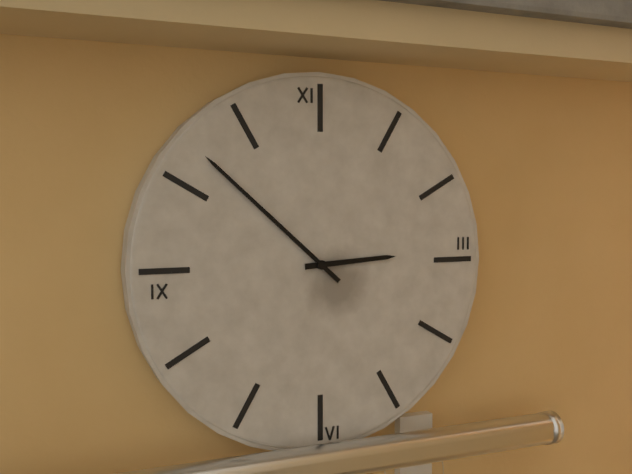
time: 2:52
